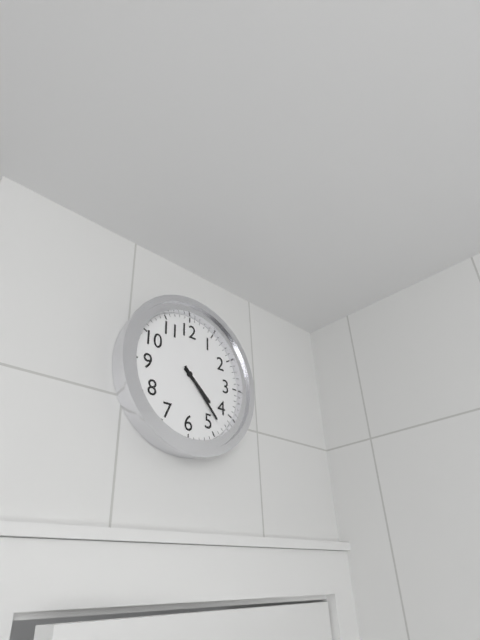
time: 4:23
